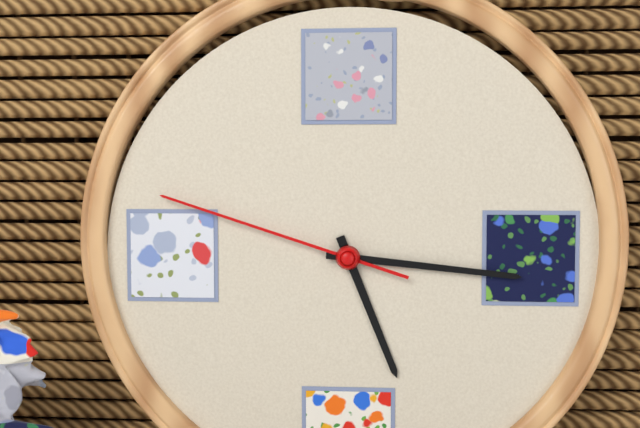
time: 5:16:48
